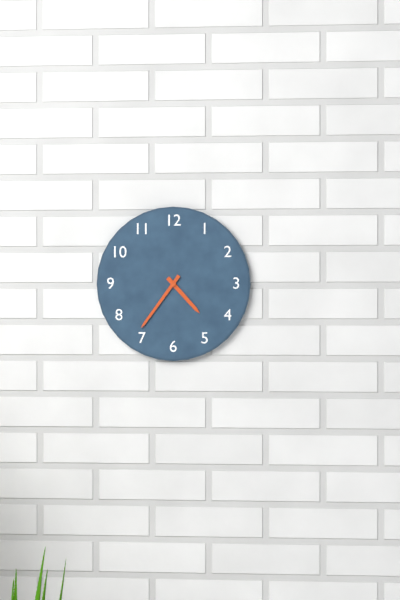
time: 4:36
